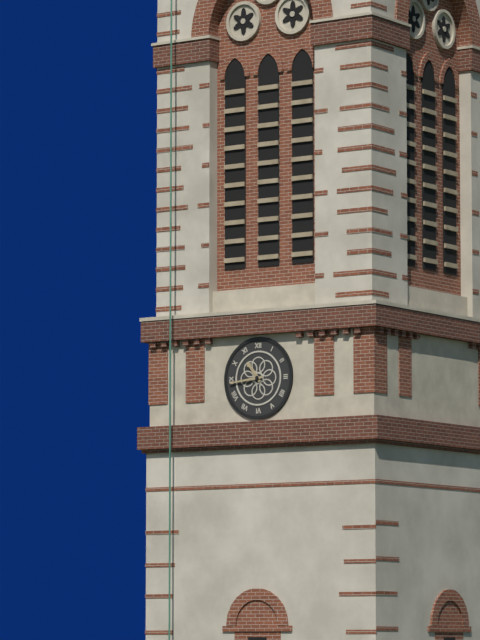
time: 10:44
